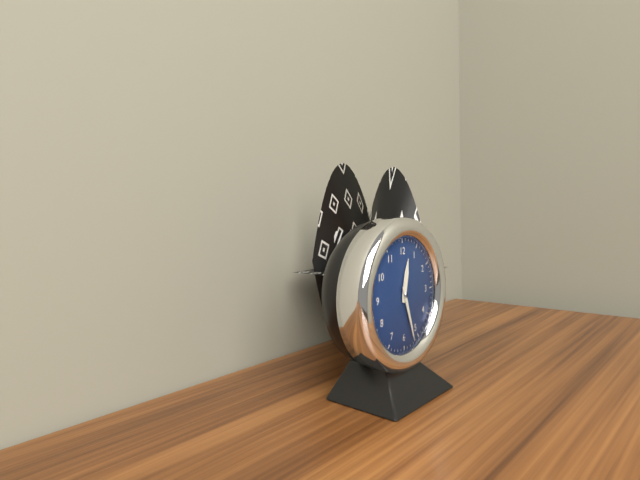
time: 12:27
